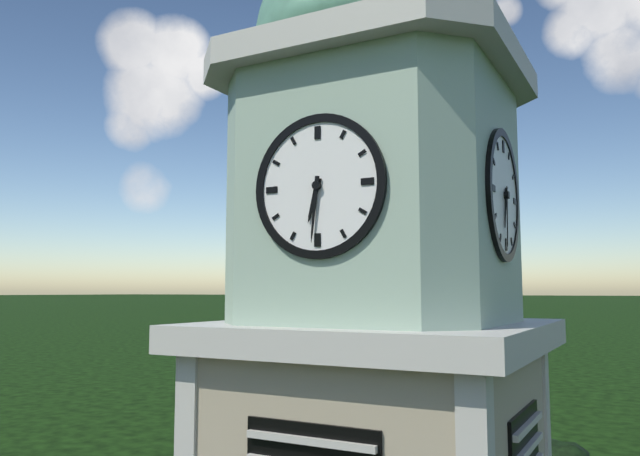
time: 6:31
